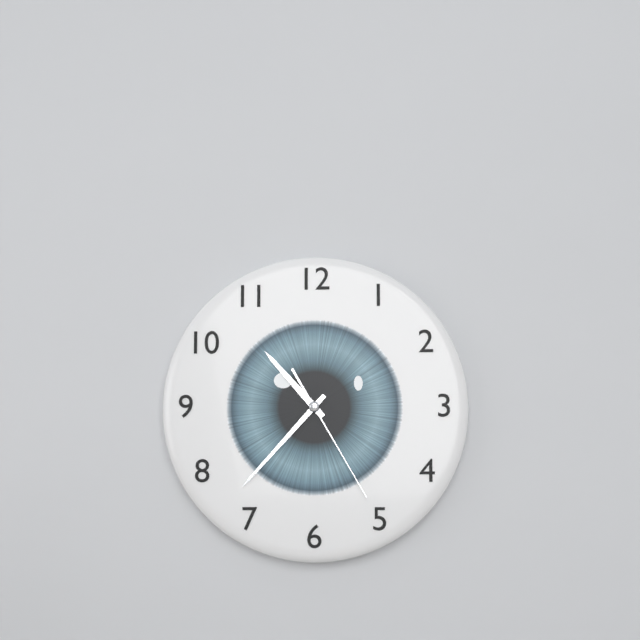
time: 10:37:25
